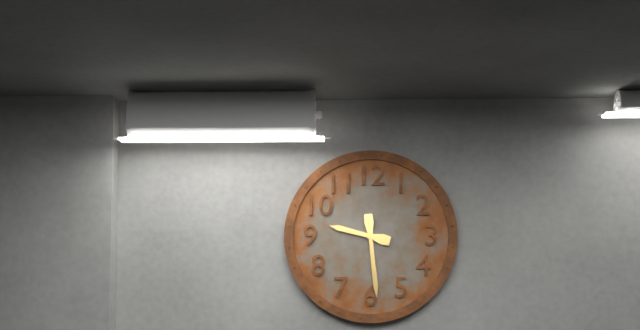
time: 9:29
